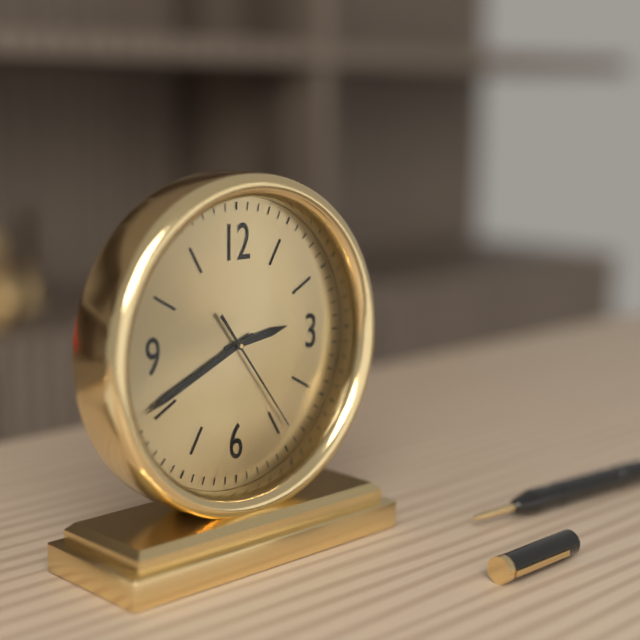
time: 2:41:24
